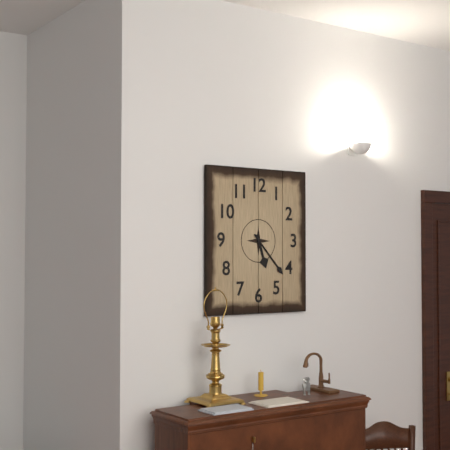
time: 5:23
